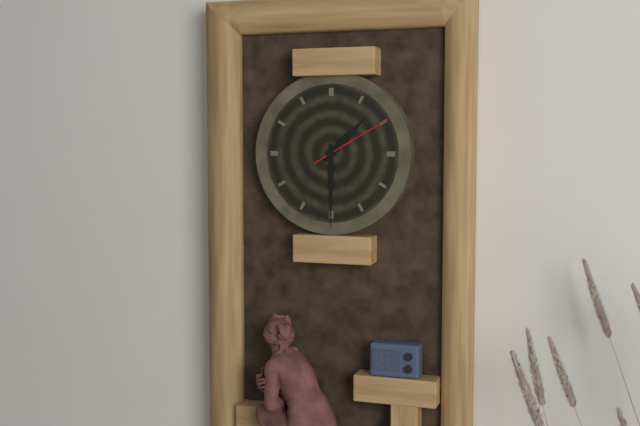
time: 1:30:10
